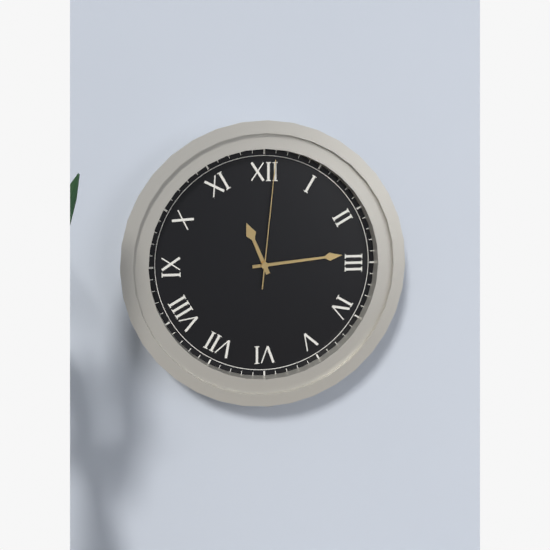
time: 11:14:01
